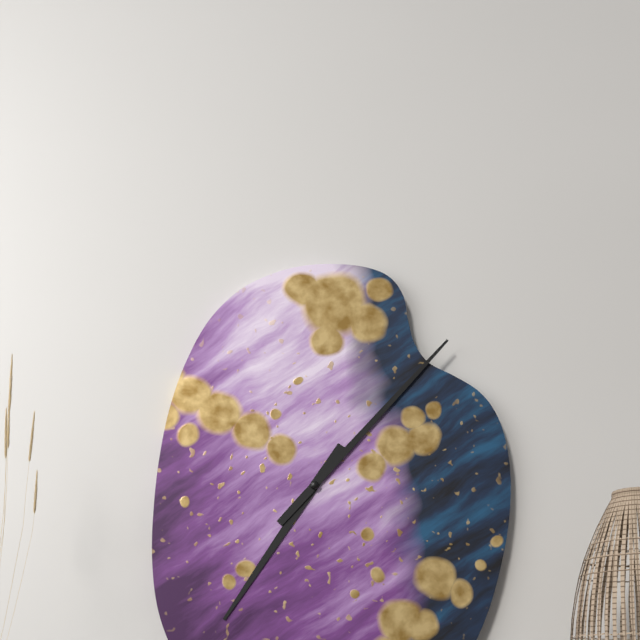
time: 7:07
